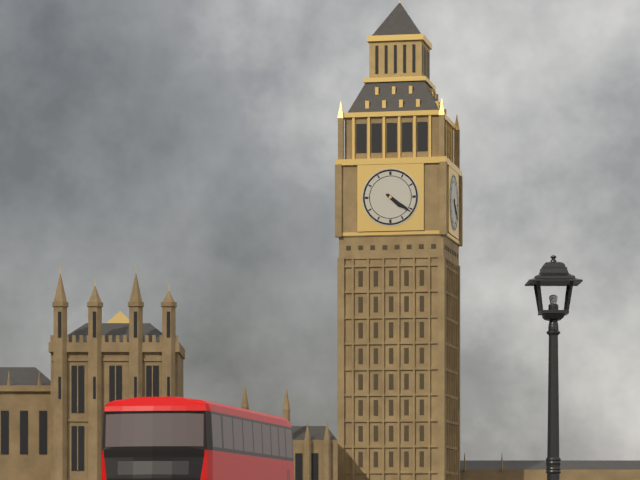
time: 4:21
